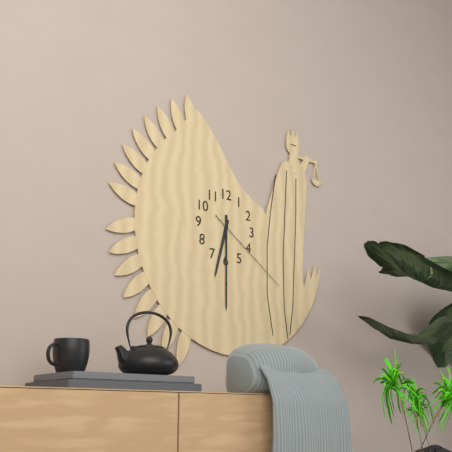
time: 6:30:21
